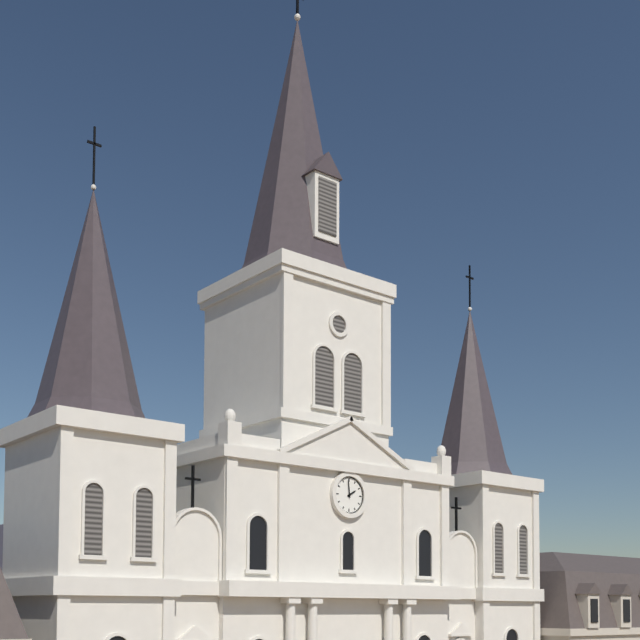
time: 1:59
